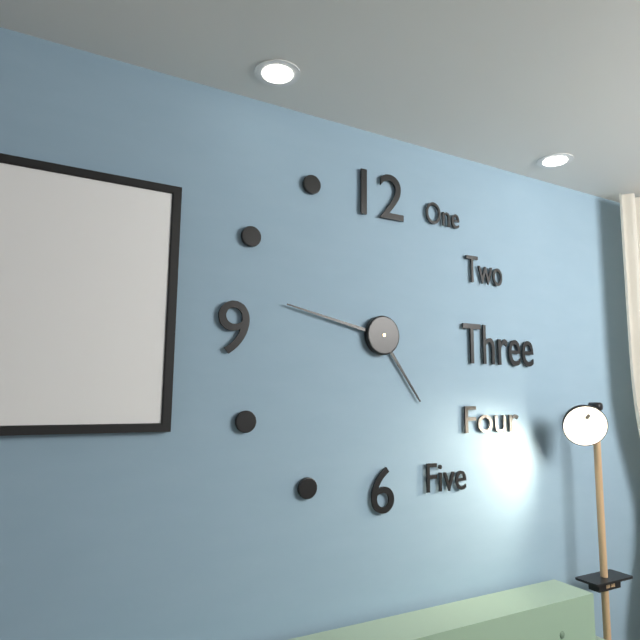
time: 4:47
